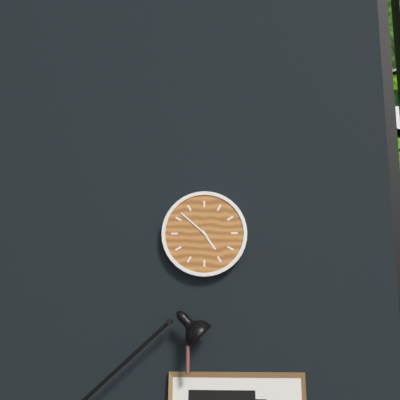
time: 4:52
